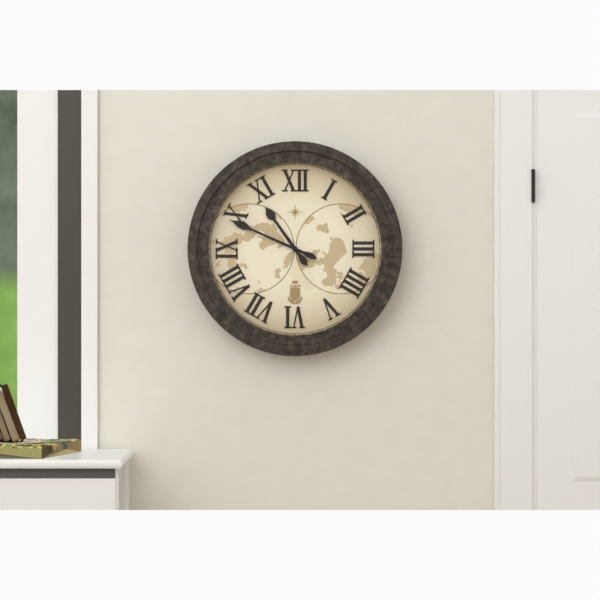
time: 10:49
